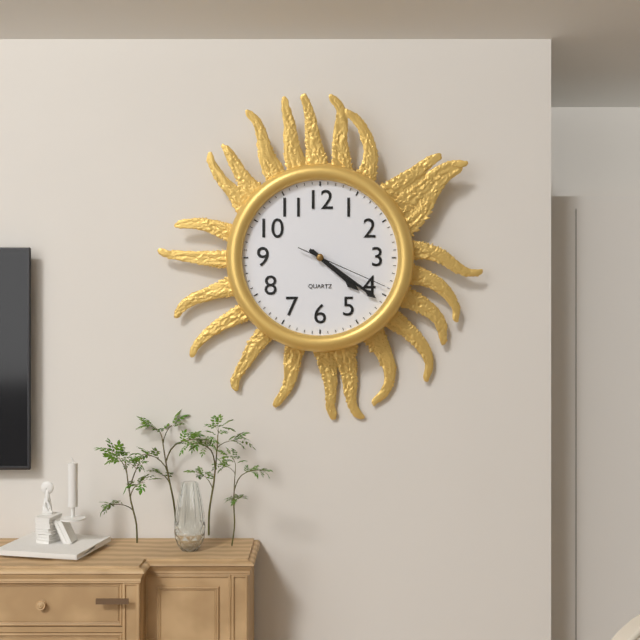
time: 4:21:19
